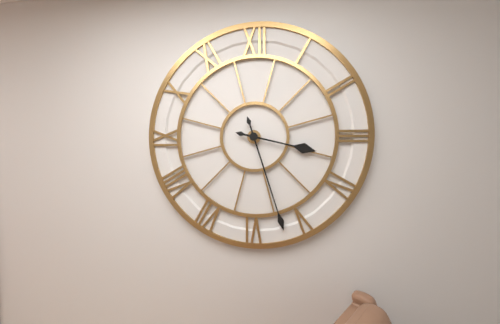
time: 3:27
